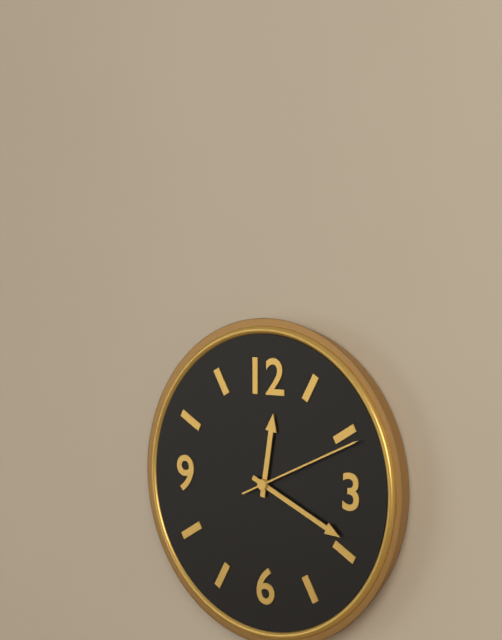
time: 12:19:11
